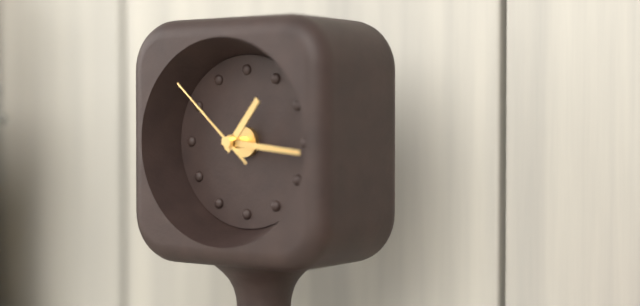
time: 1:16:52
